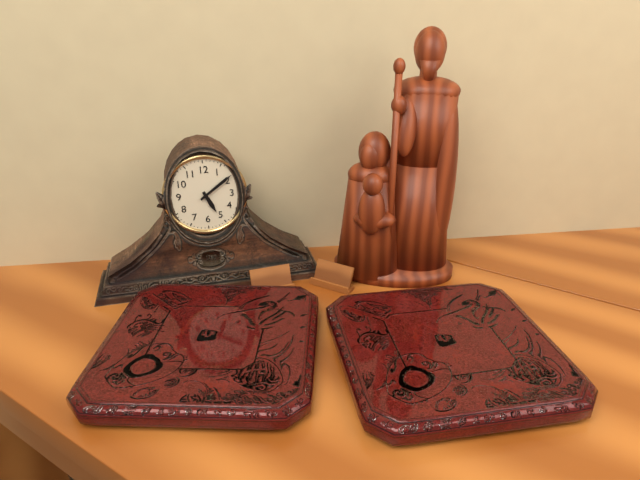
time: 5:09
